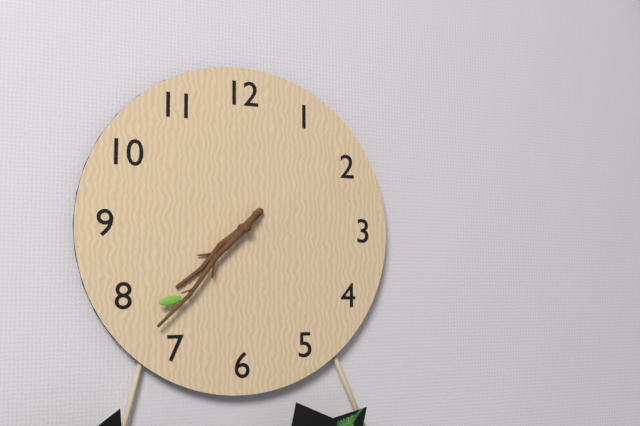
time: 7:37
